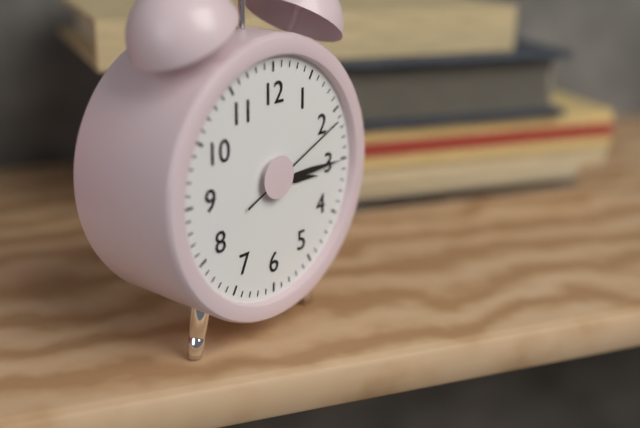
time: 3:15:11
